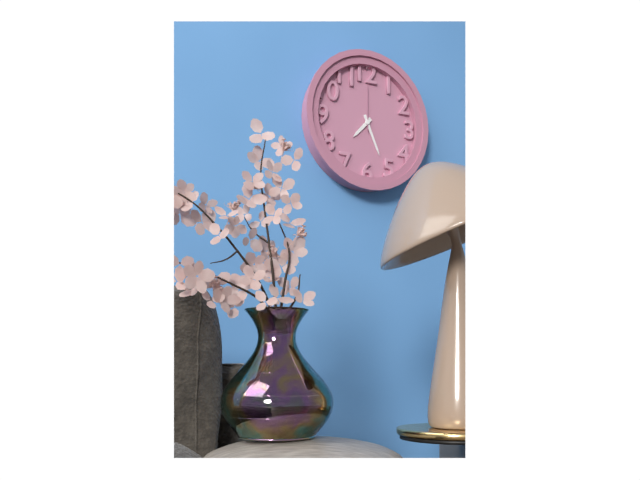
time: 7:26
